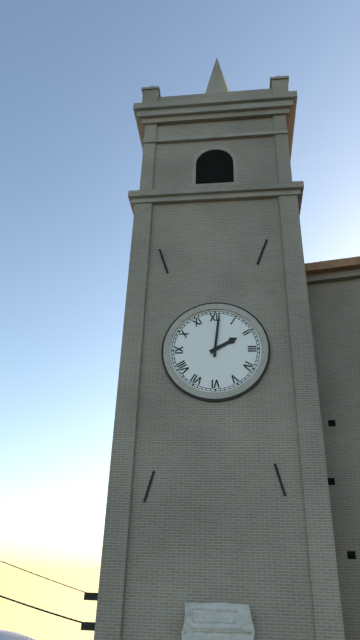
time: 2:01
